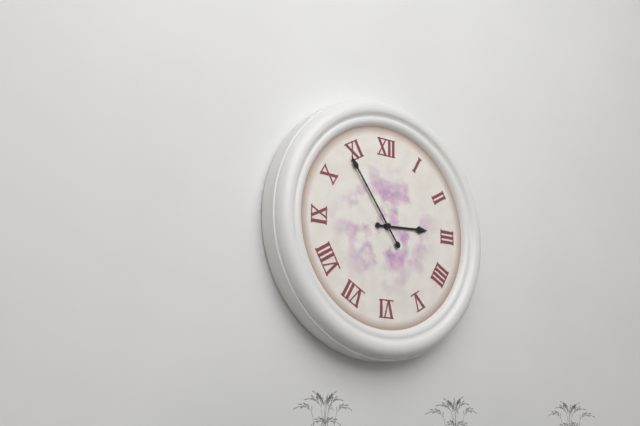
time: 2:54
